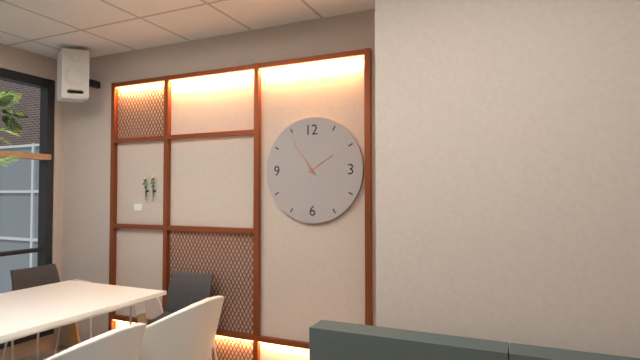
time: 1:54
